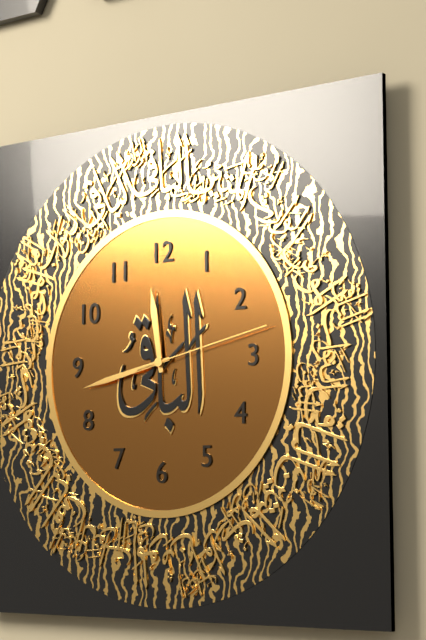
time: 11:43:13
